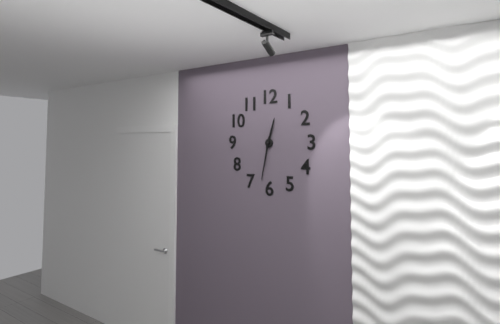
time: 12:32
